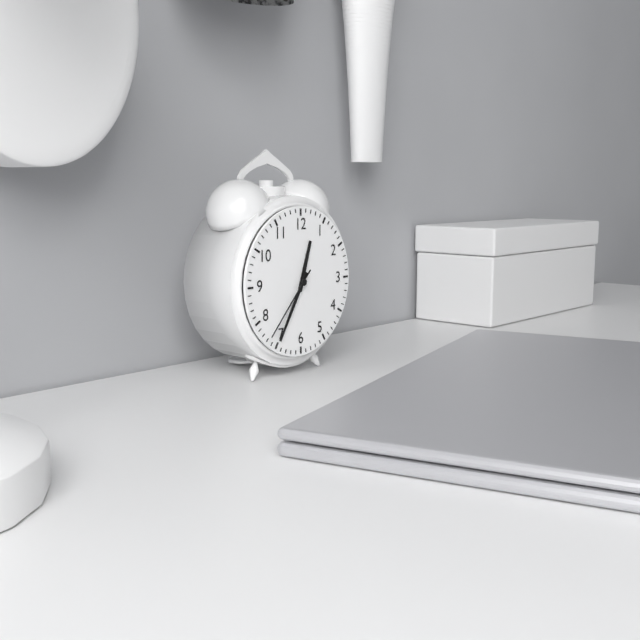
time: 12:35:37
